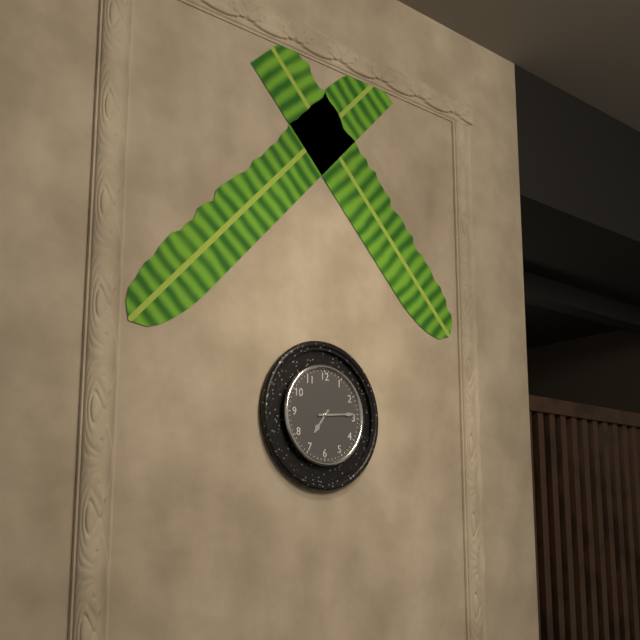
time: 7:14
